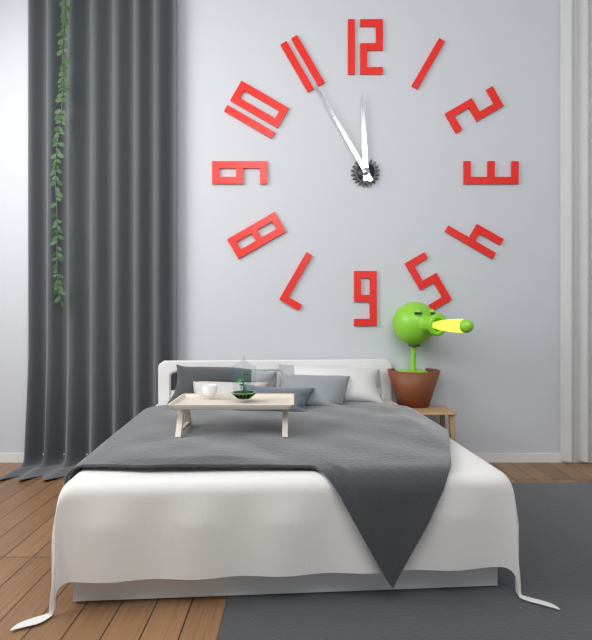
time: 11:55
